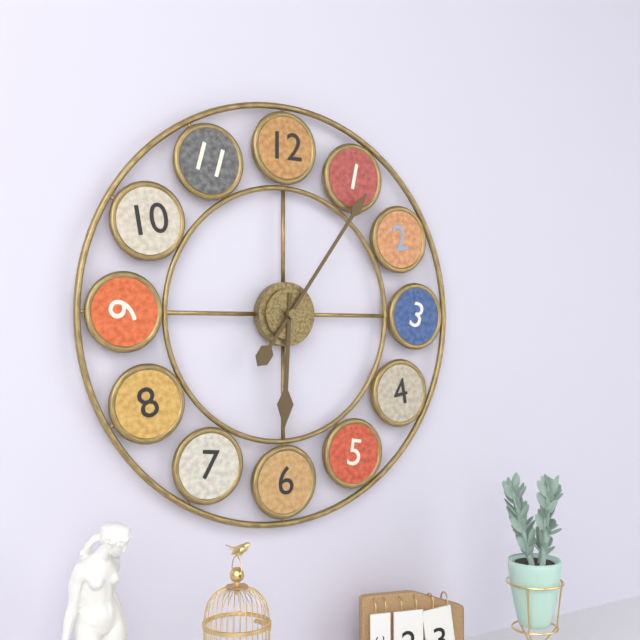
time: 6:06
